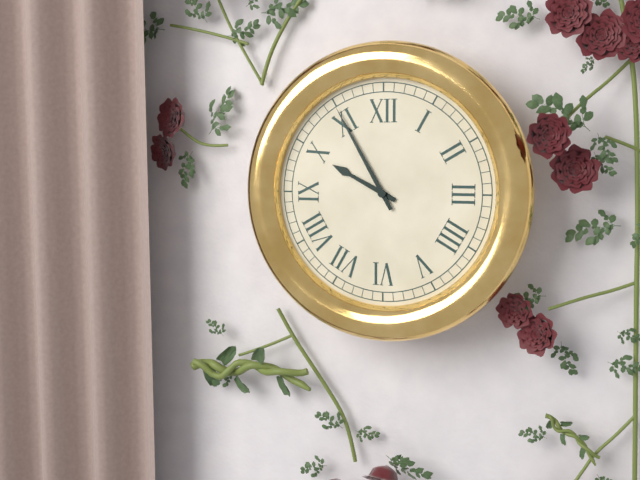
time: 9:55
